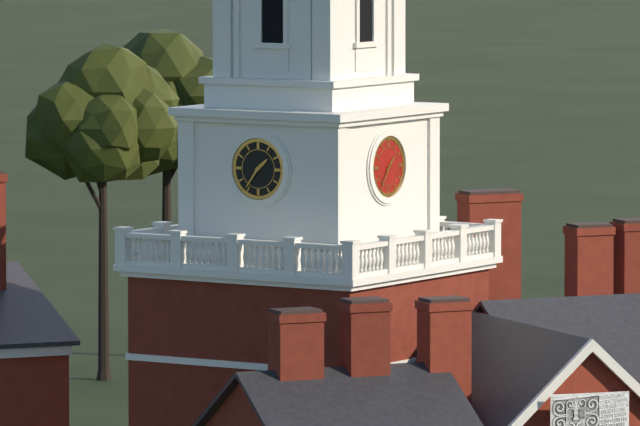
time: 1:36
